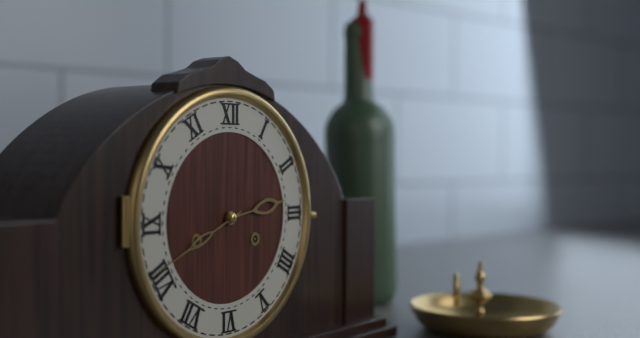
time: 2:41
